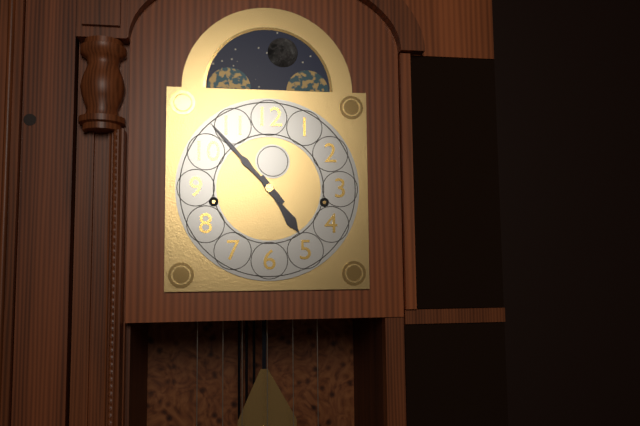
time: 4:53
